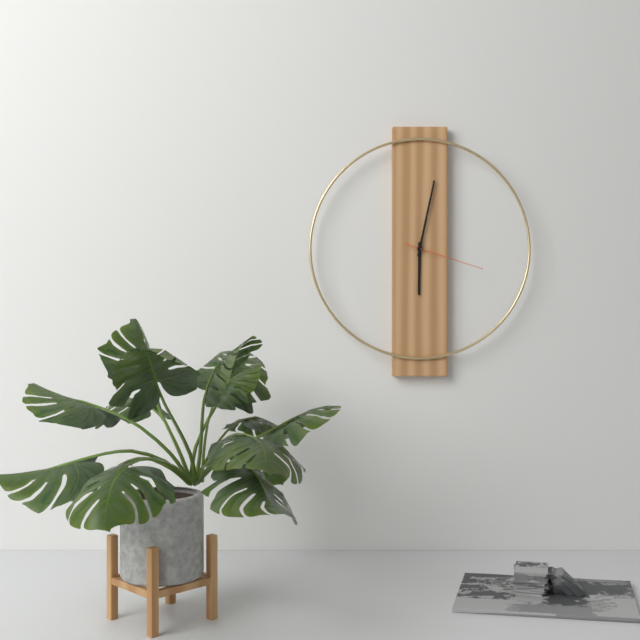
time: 6:02:18
